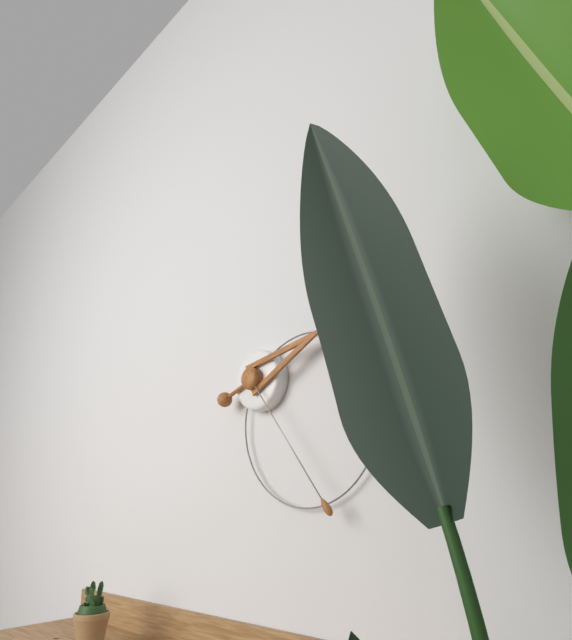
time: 2:24
